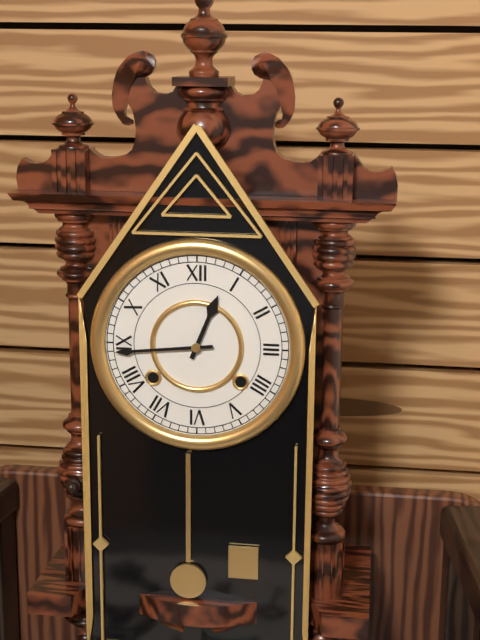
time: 12:44
